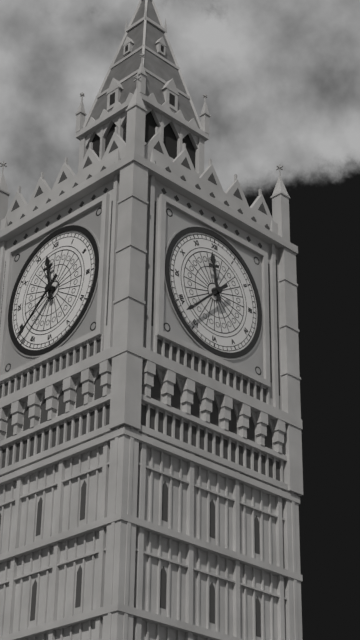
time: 11:38
